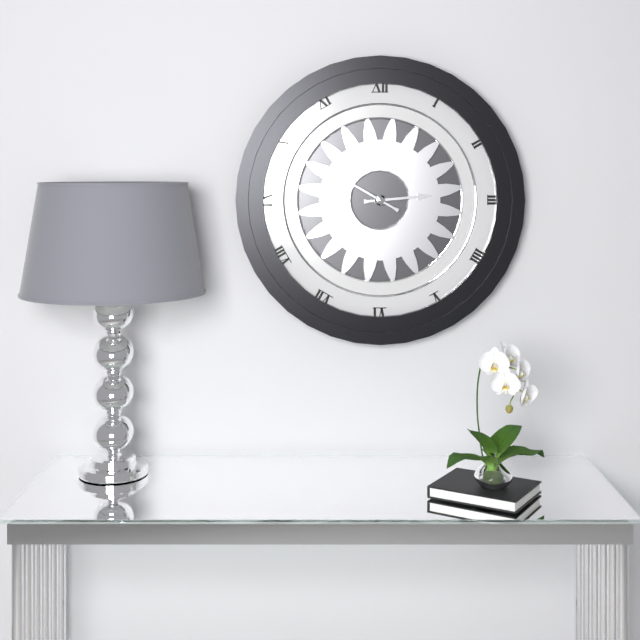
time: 2:50
